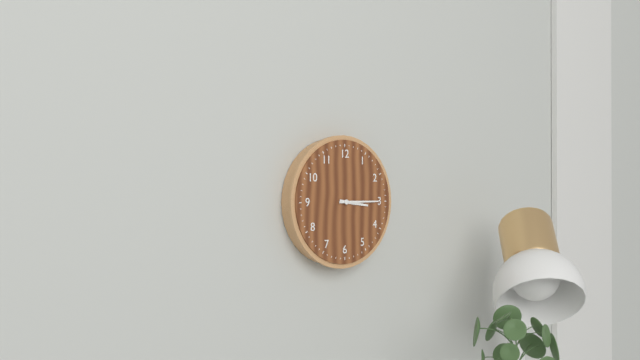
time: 3:15
